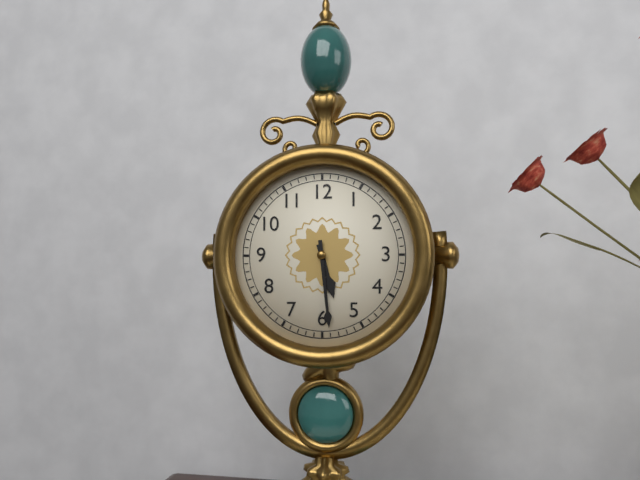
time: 5:29
